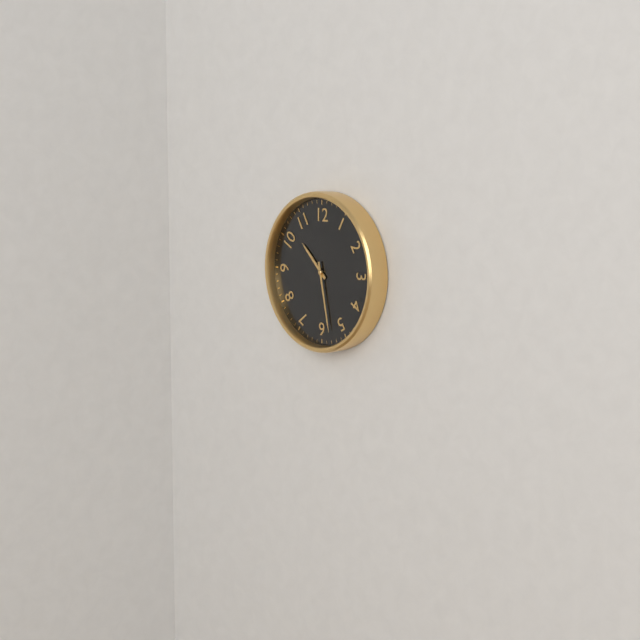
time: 10:28
